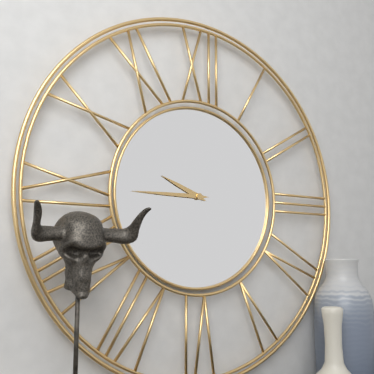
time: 9:45
